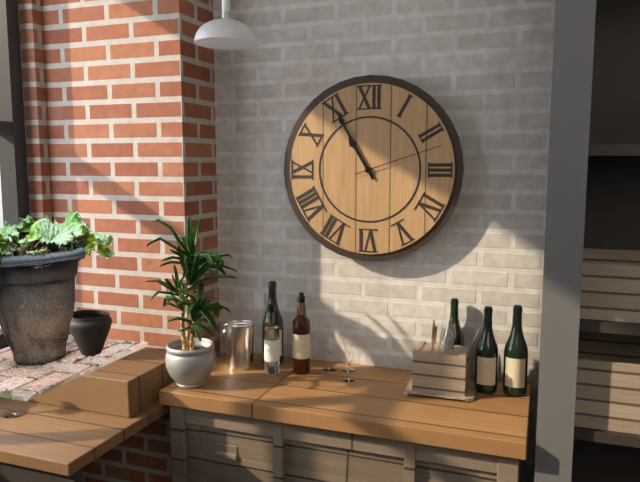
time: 10:55:12
